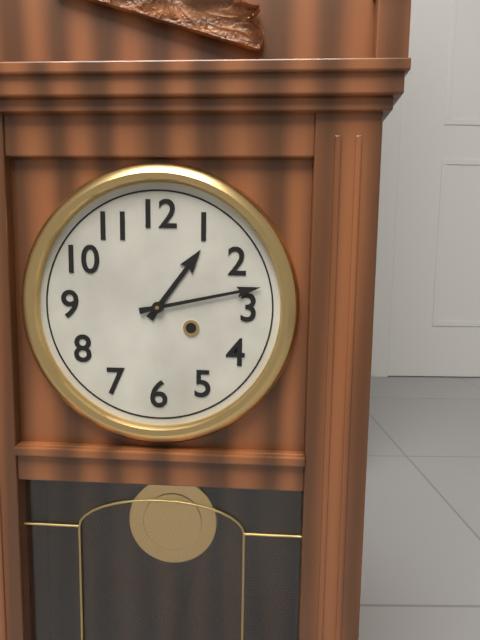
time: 1:13
